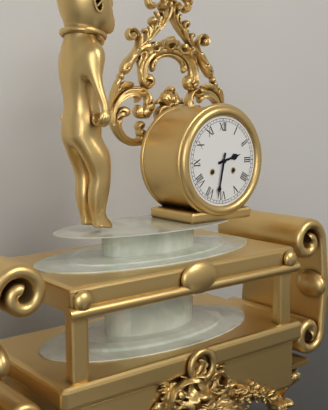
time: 2:32
